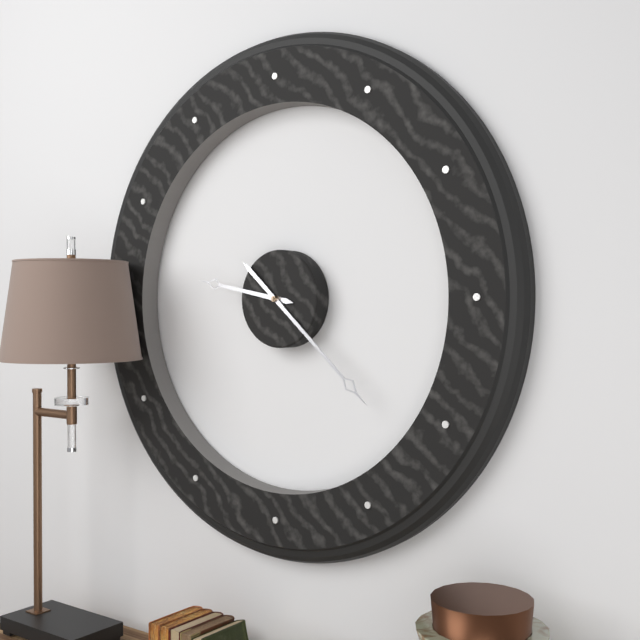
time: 9:22
